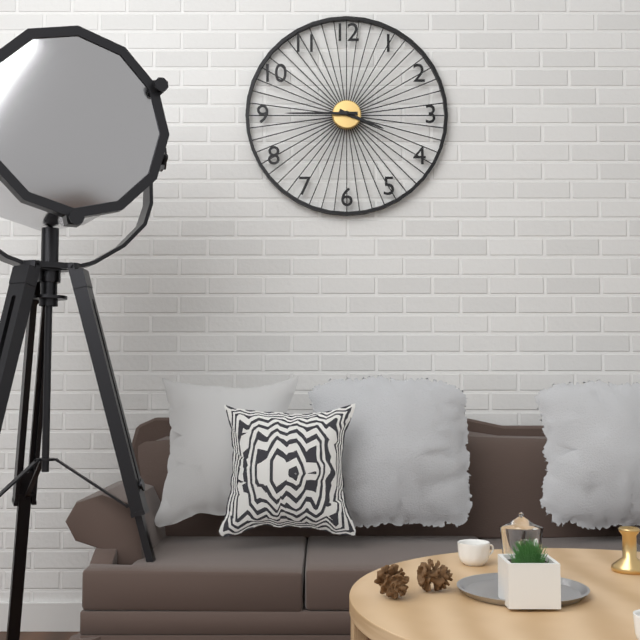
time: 3:45
